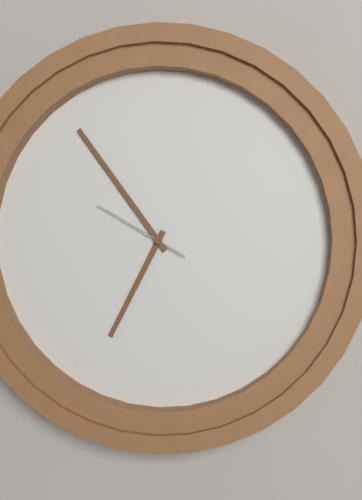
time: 6:54:50
